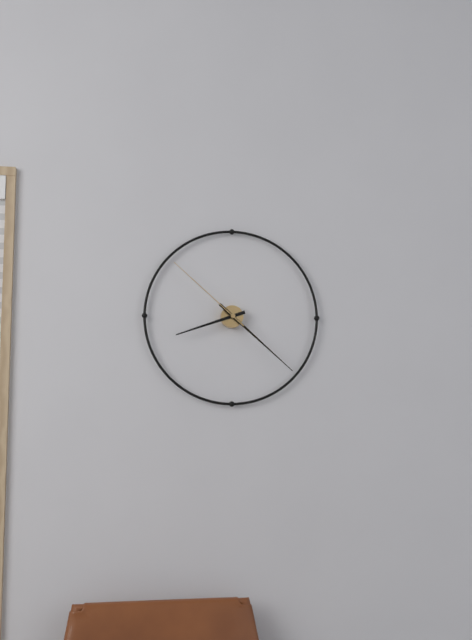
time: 8:22:52
